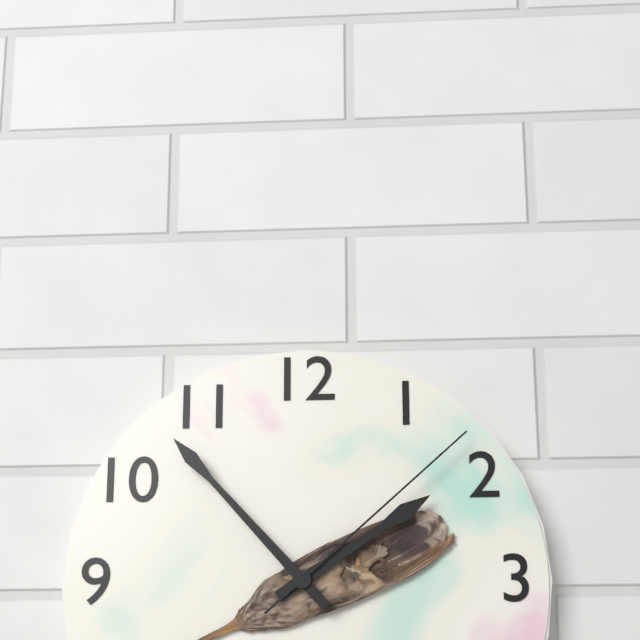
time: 1:53:08
